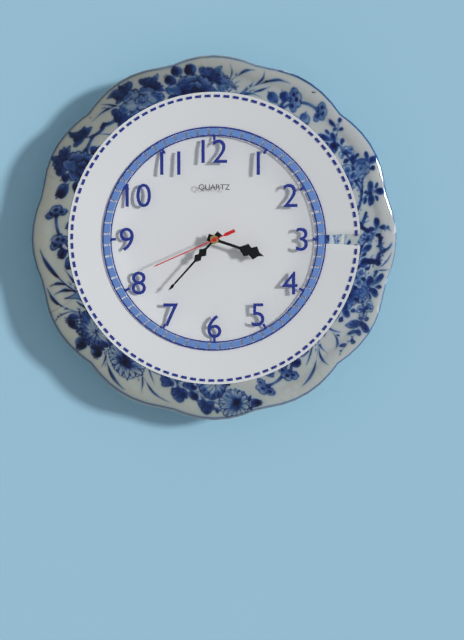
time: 3:37:41
